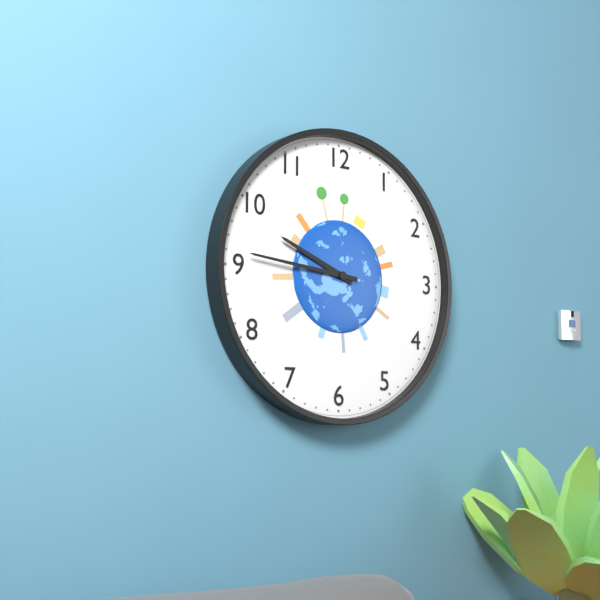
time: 9:46
